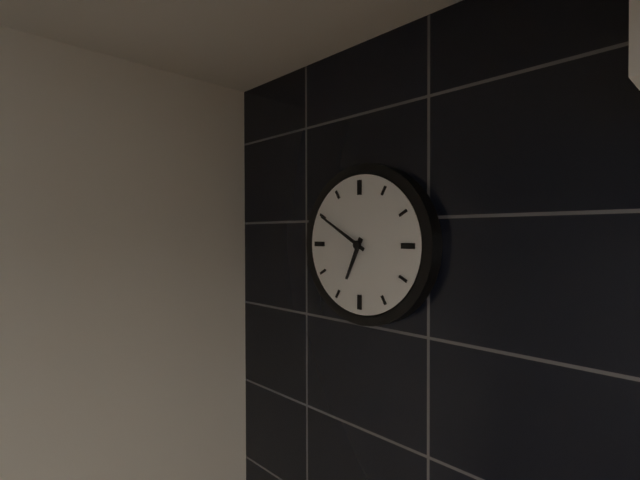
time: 6:50
